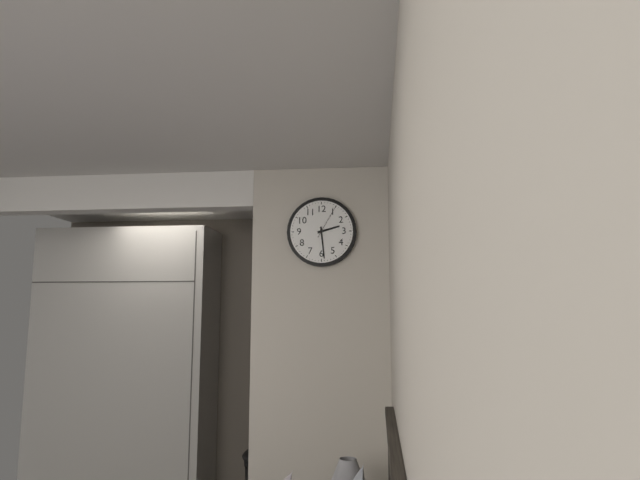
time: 2:29
